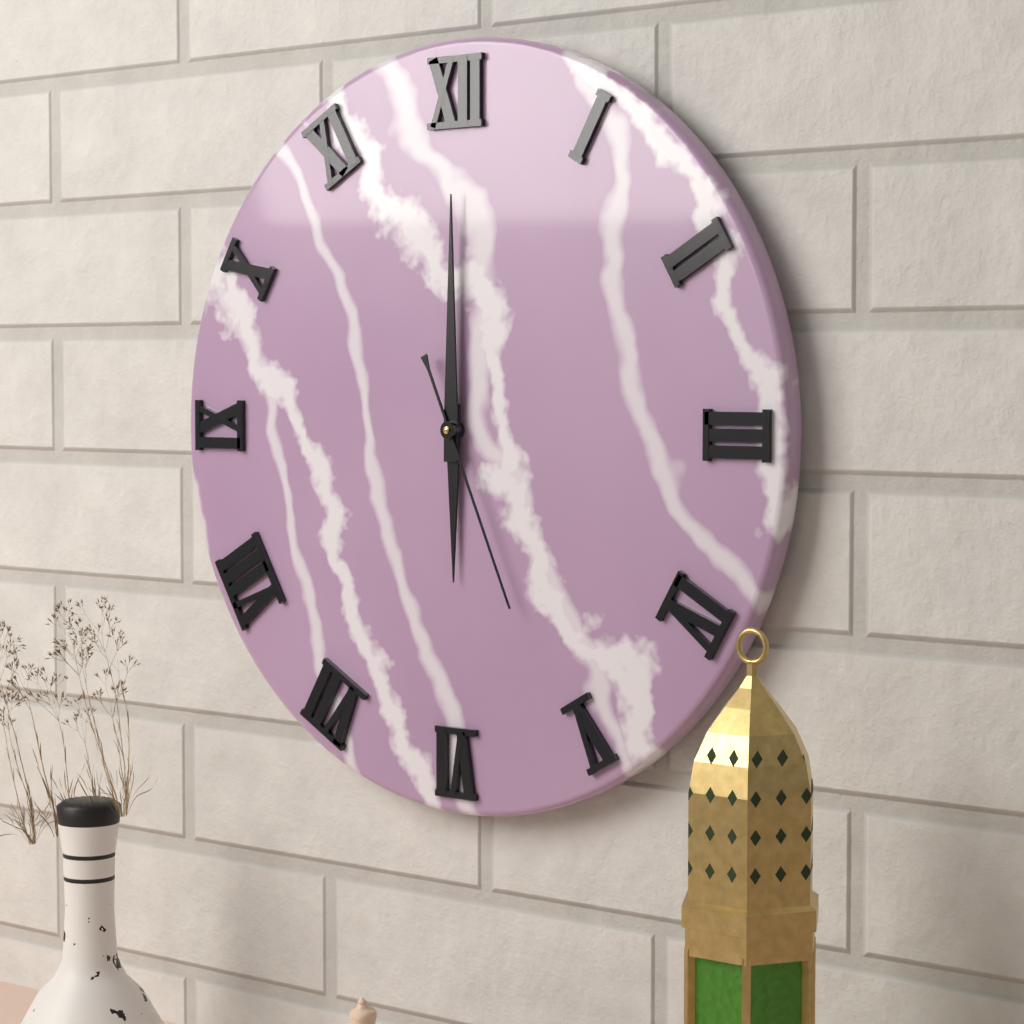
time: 6:00:26
